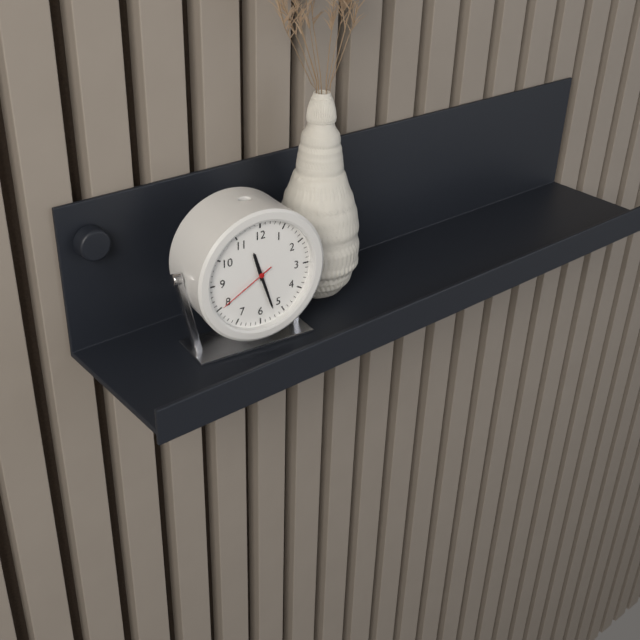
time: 11:27:40
